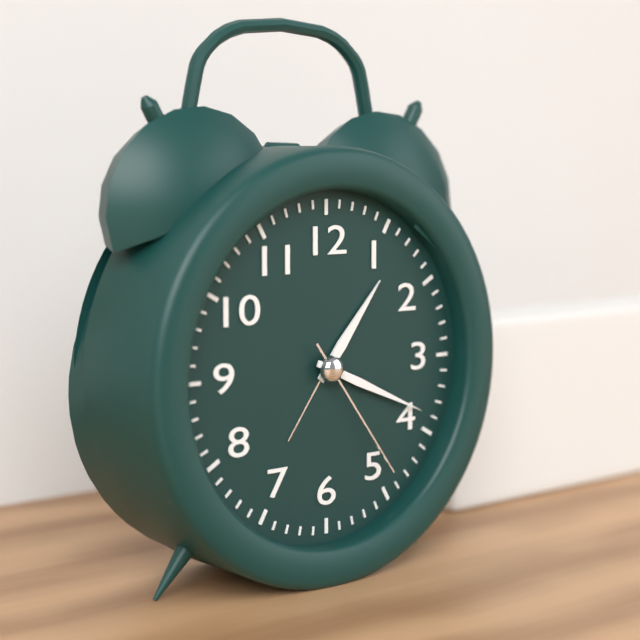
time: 1:19:24
